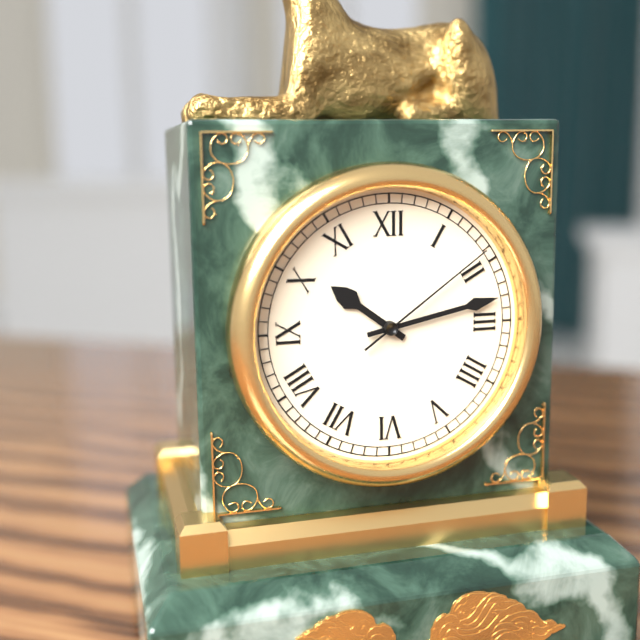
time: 10:13:09
